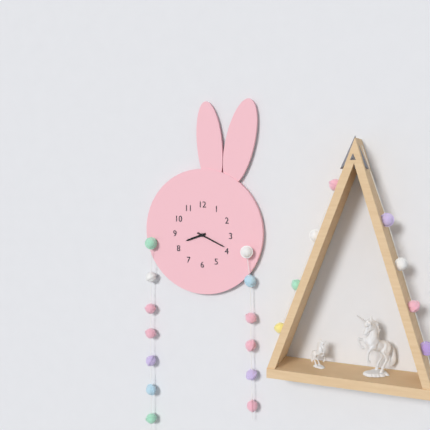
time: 8:19
